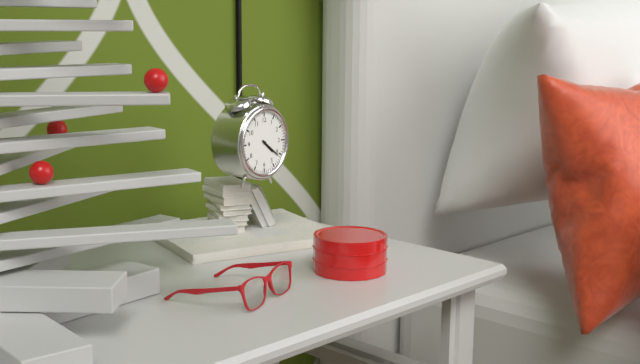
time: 4:21
